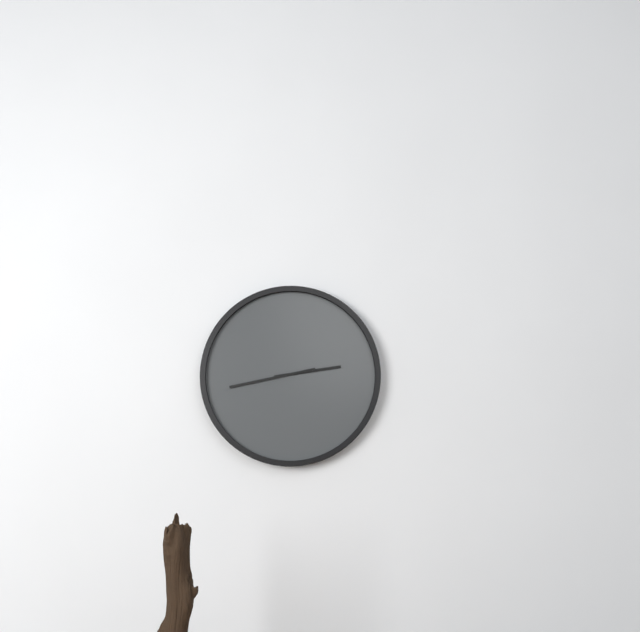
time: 2:43
